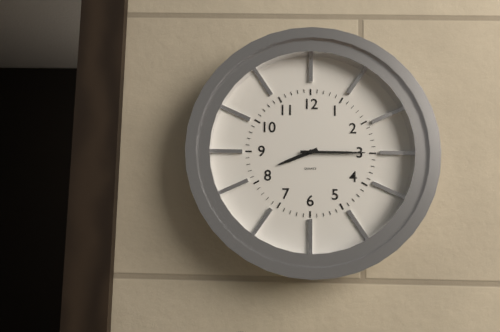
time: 8:15
